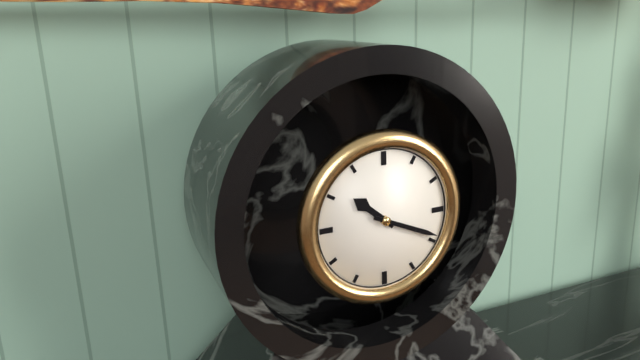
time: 10:19
